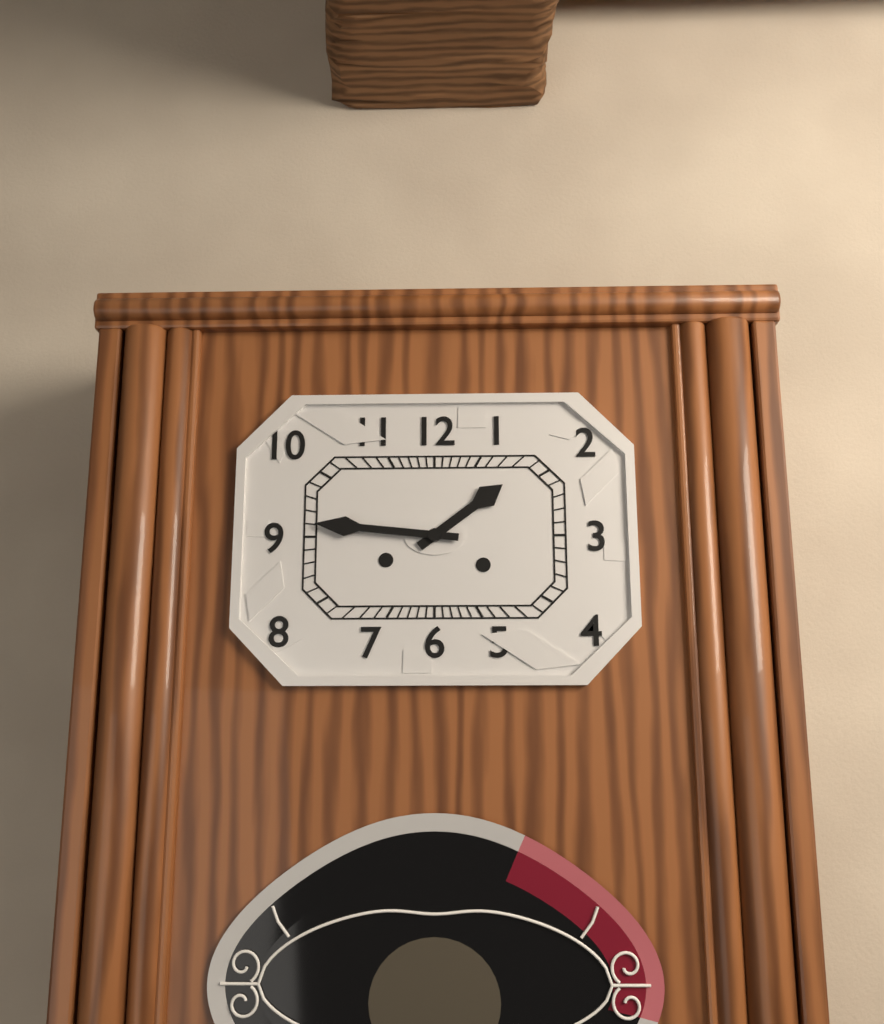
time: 1:46
